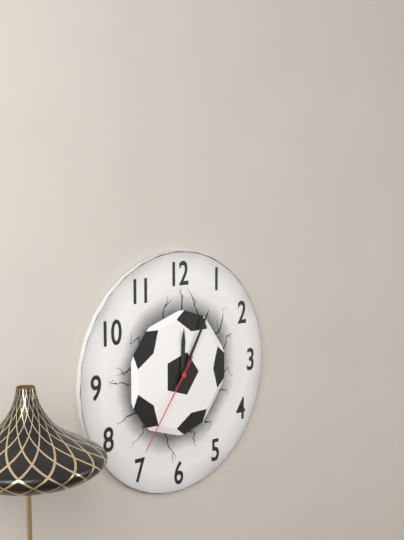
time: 12:05:36
